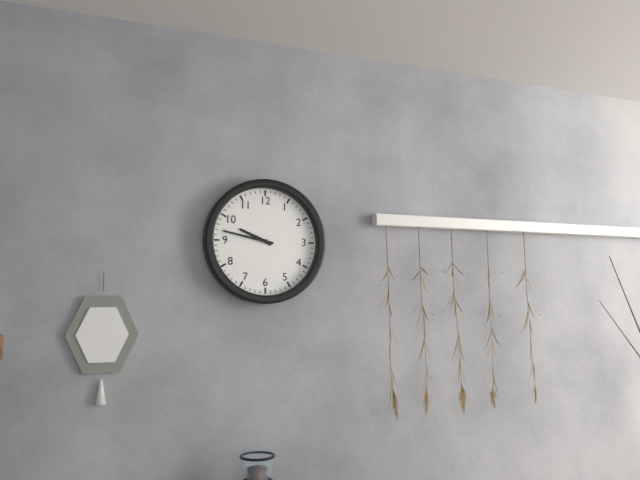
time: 9:47
